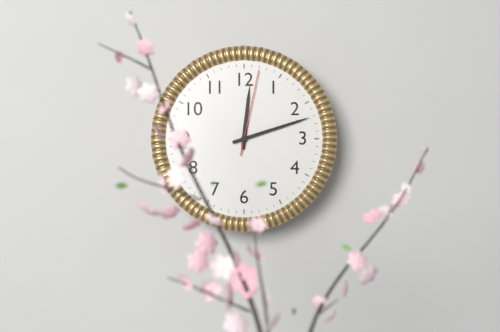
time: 12:12:02
